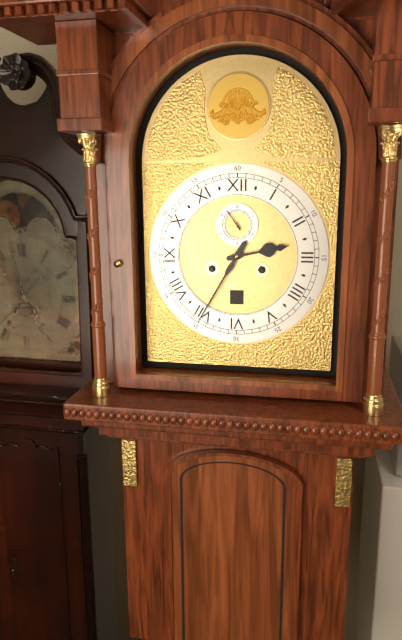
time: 2:35
